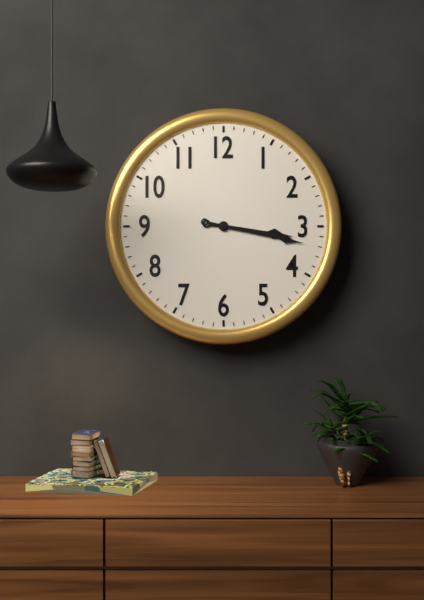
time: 3:17
